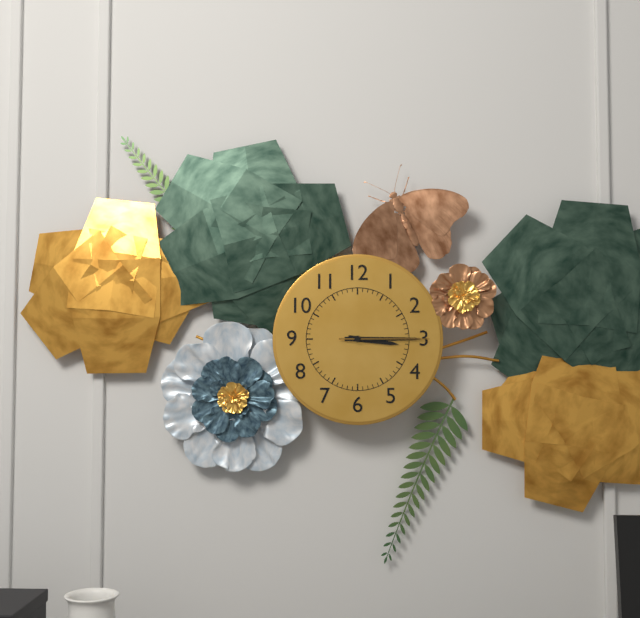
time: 3:15:15
